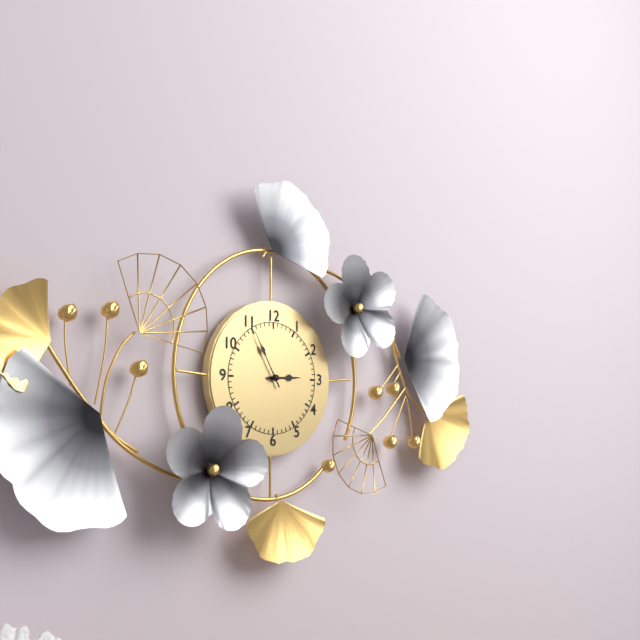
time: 2:55
